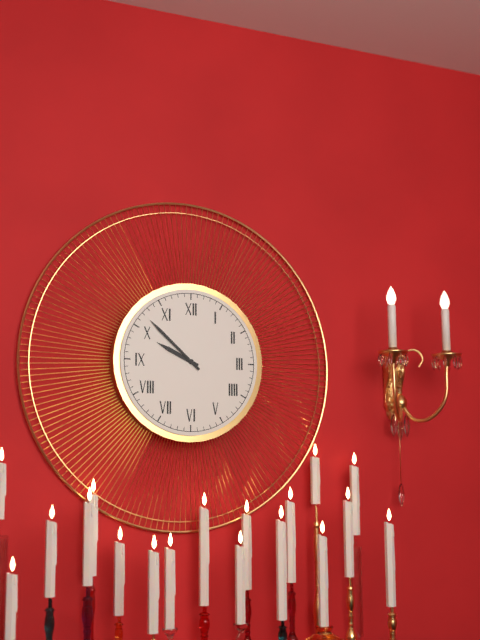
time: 9:52
